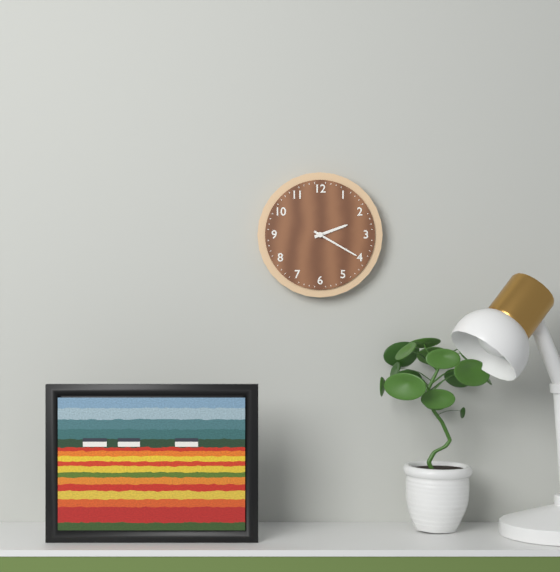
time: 2:20
